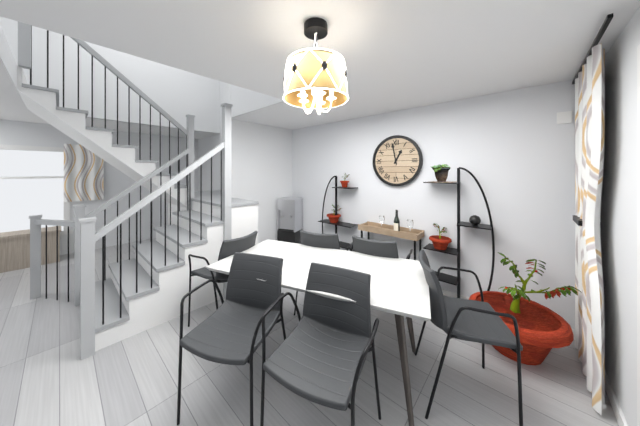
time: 12:58
